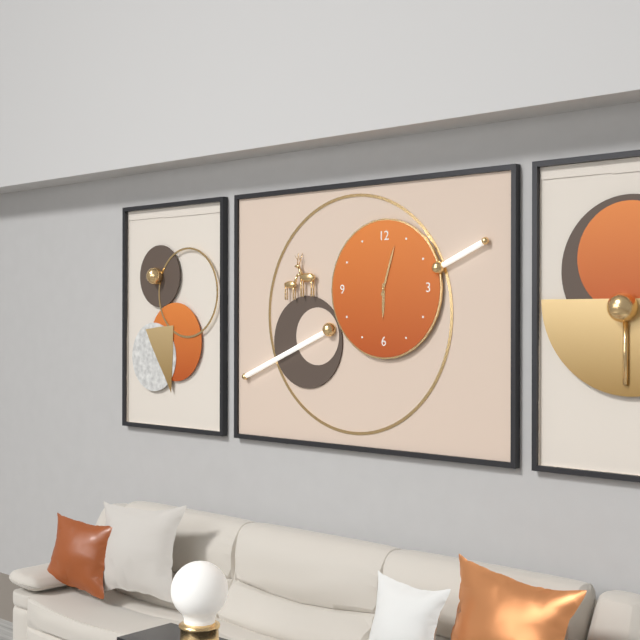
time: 6:03
